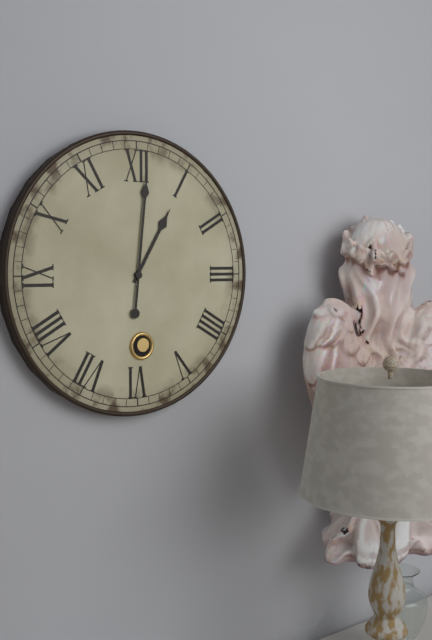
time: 1:01
